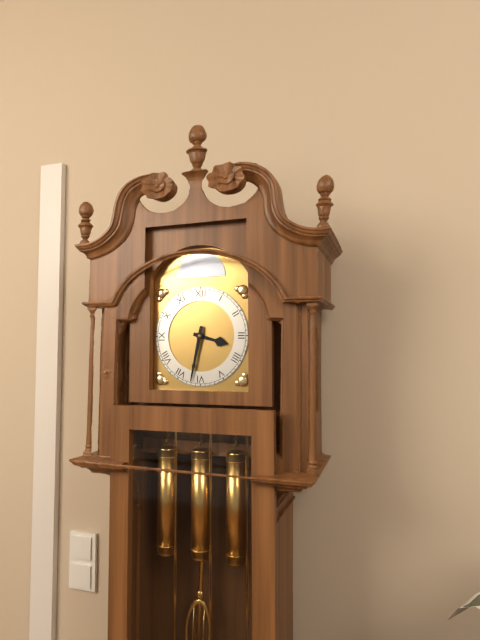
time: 3:32
